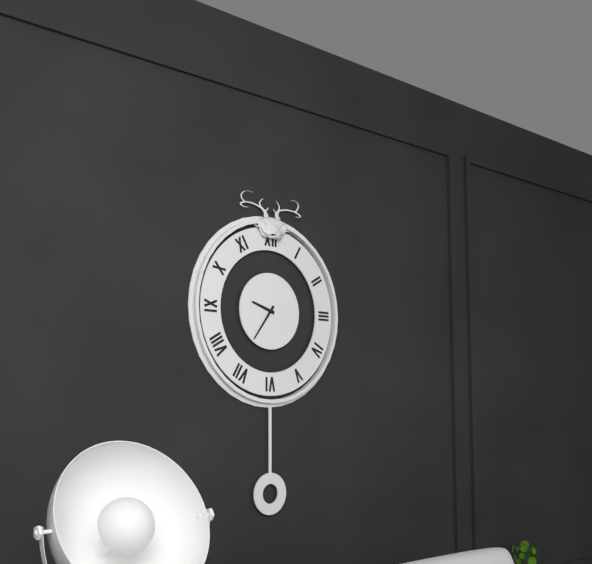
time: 9:36
